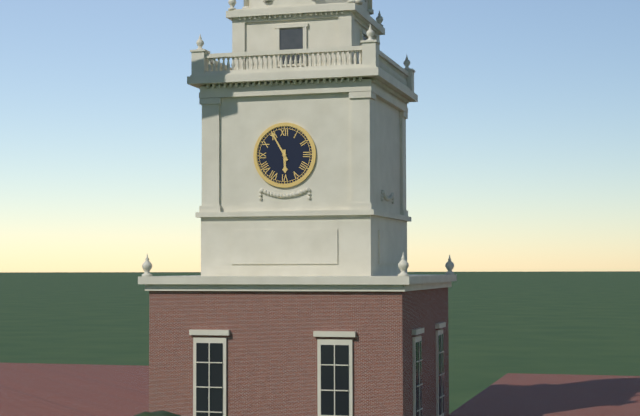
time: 5:55
